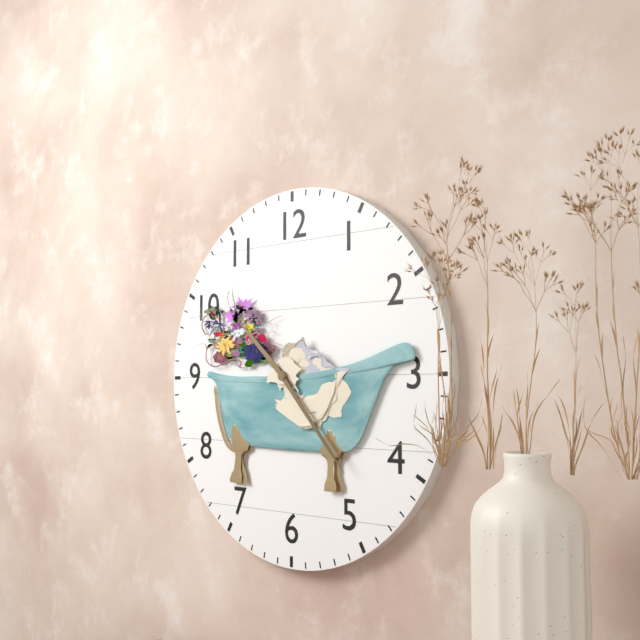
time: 10:23
